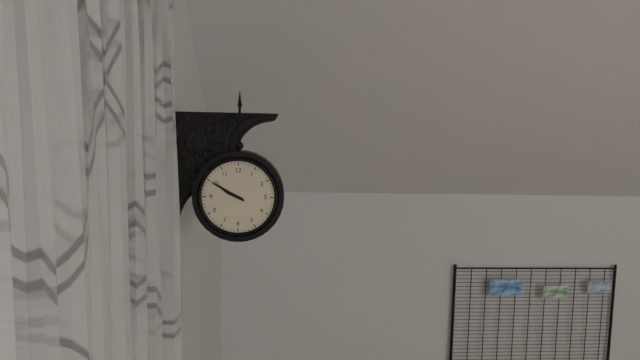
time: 9:50
